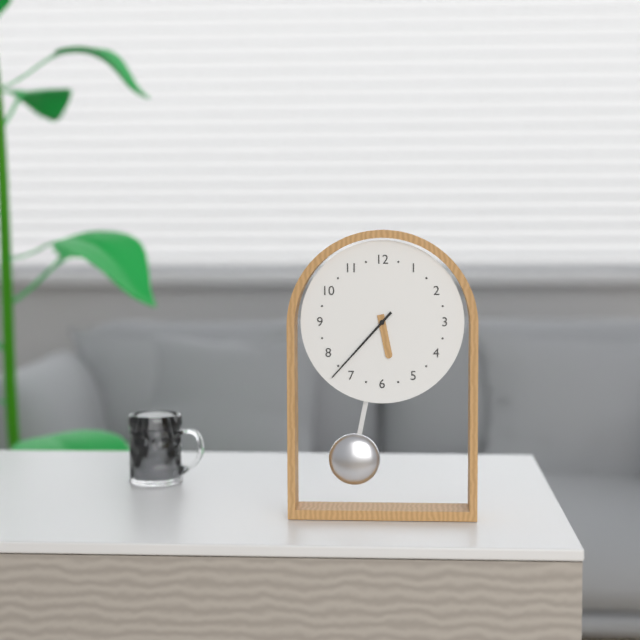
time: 5:37
